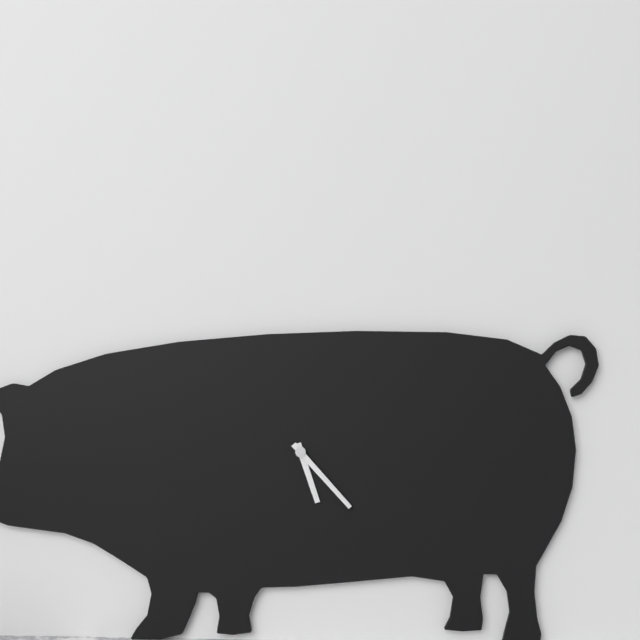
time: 5:23
